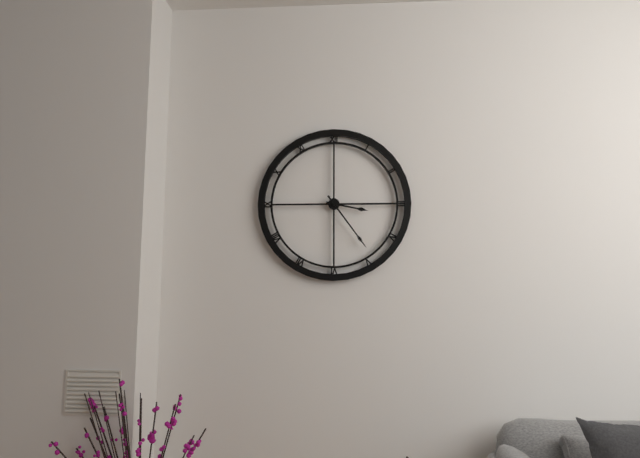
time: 3:24
